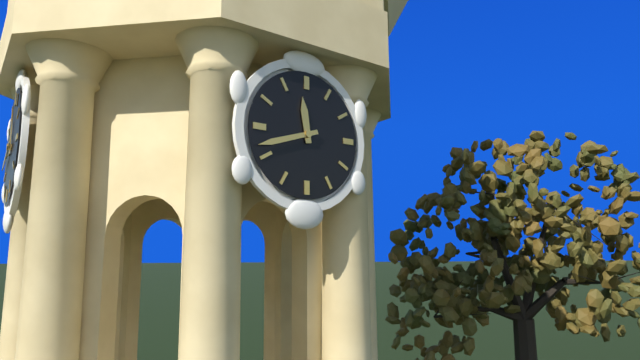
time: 11:42
